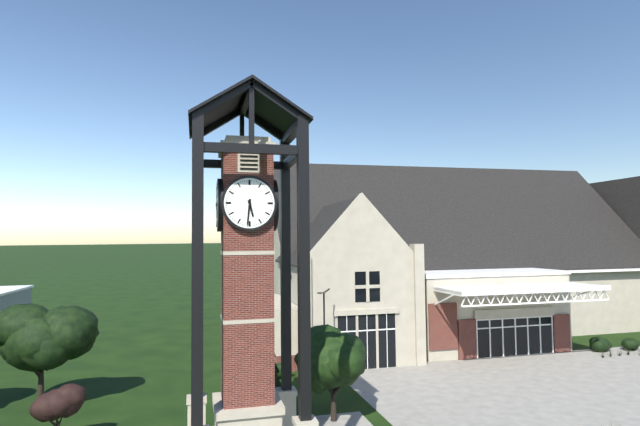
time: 5:31
